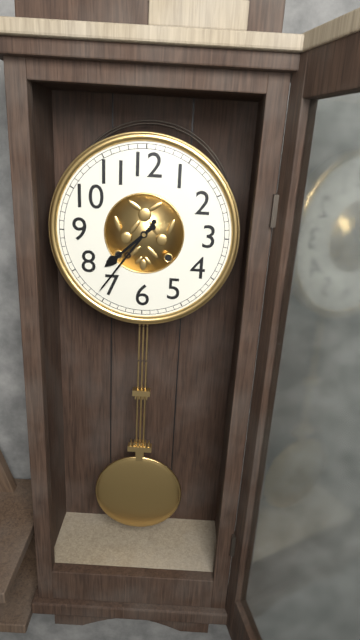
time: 7:36
